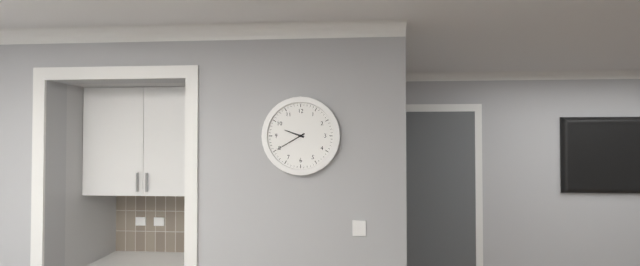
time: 9:40
